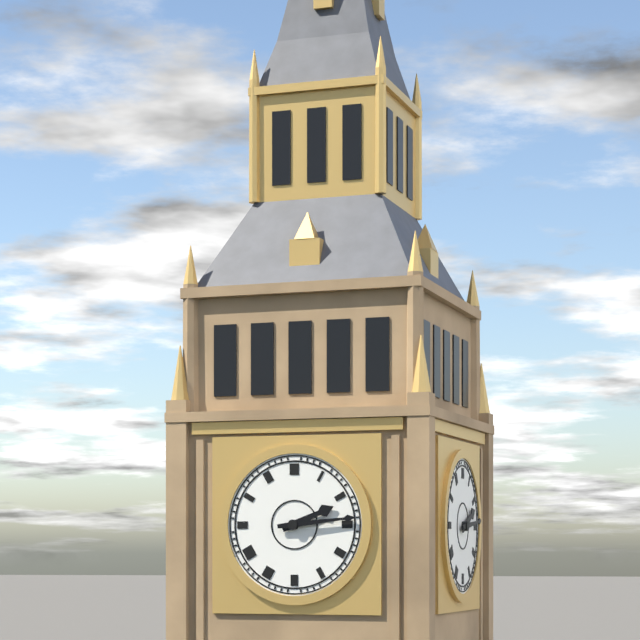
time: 2:14
